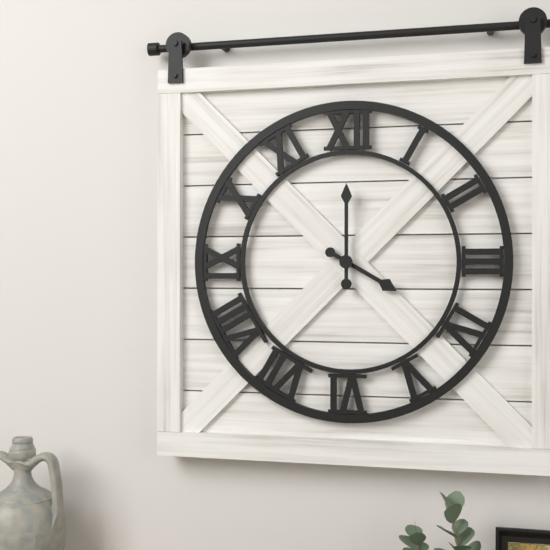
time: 4:00
